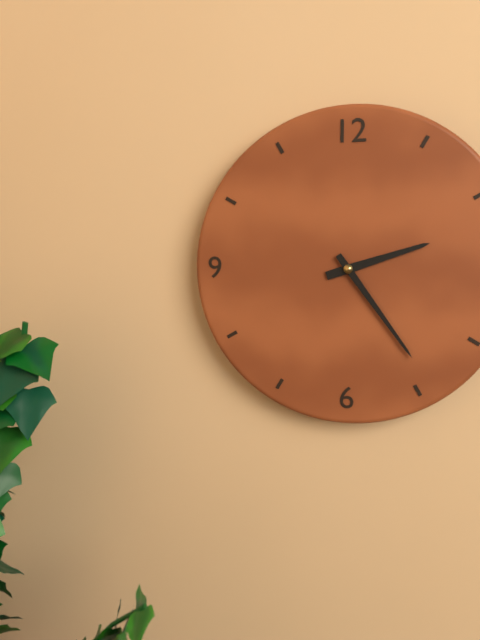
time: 2:24
